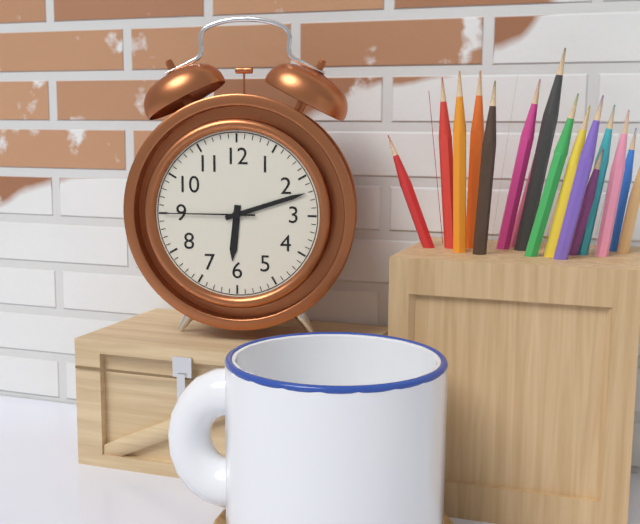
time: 6:12:45
